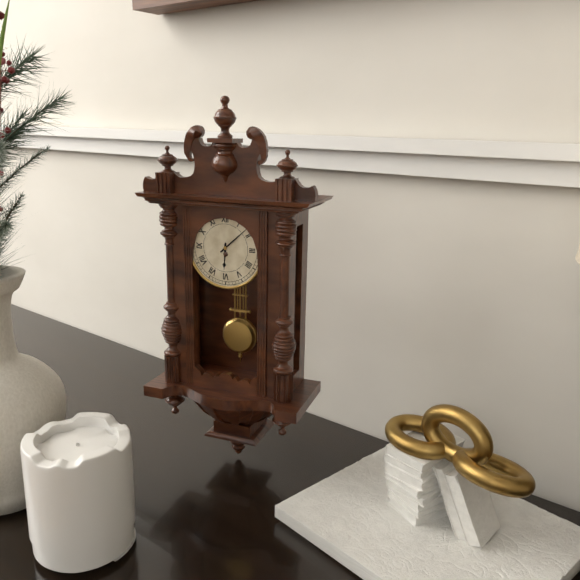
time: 6:08
